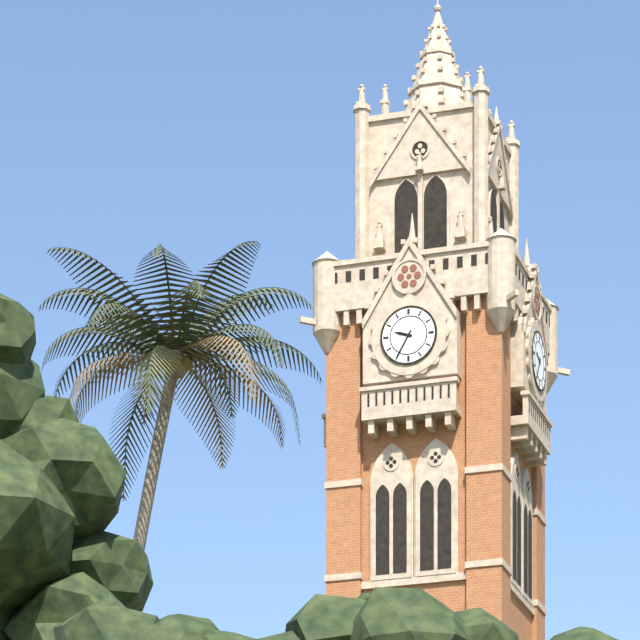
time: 9:35
